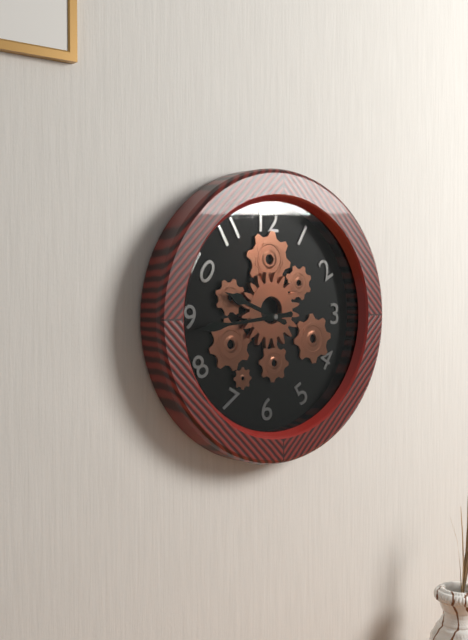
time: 9:44
